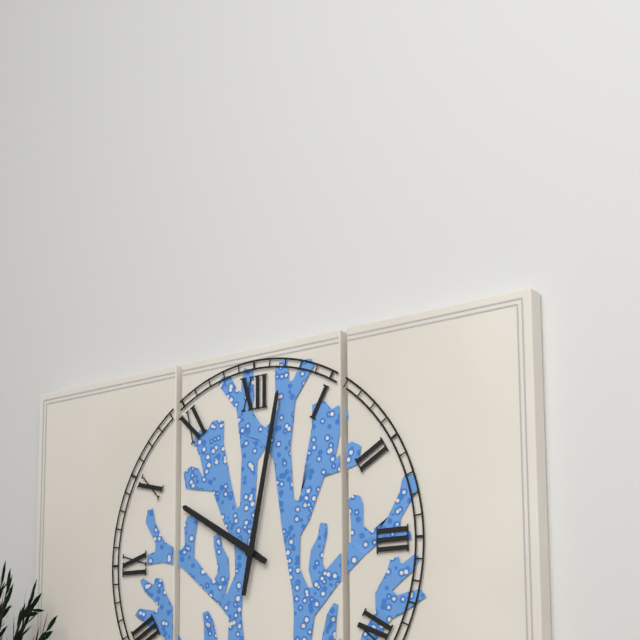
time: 10:02
